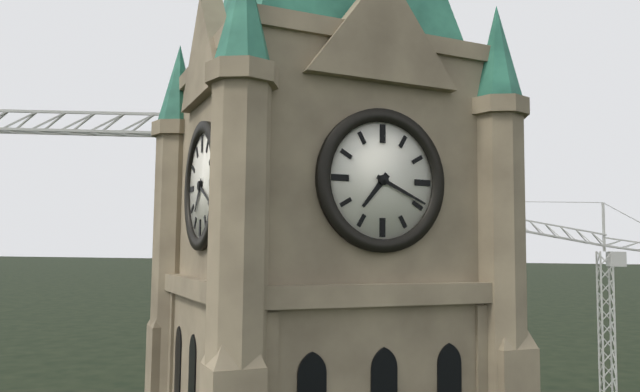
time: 7:19
